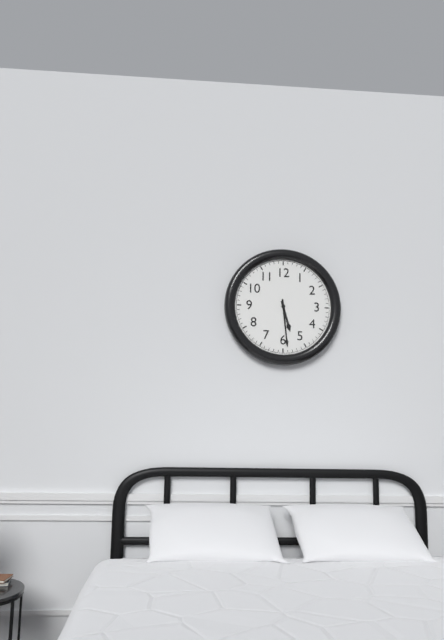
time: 5:29
